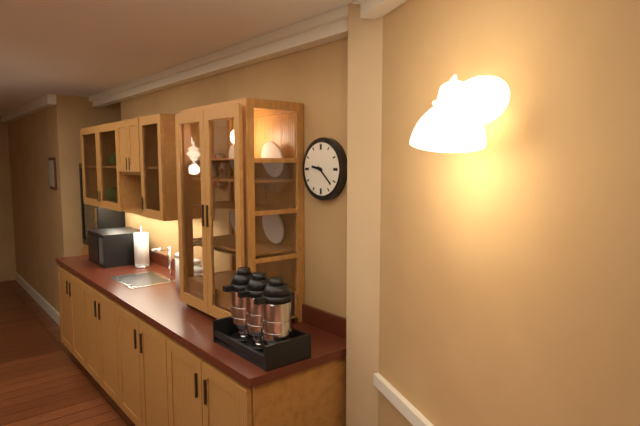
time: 9:22
